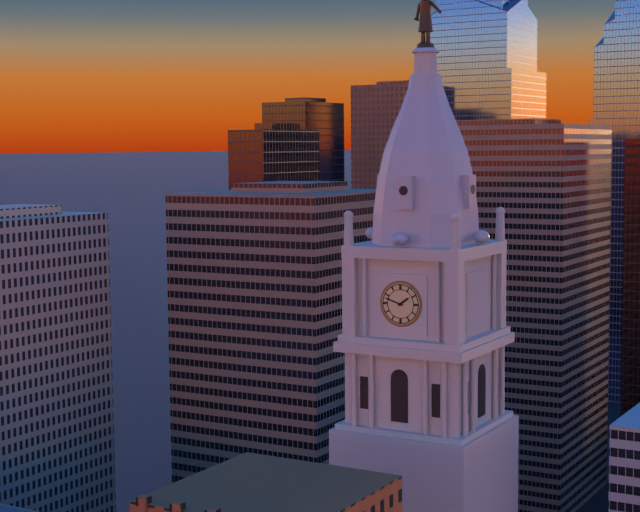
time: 1:48
